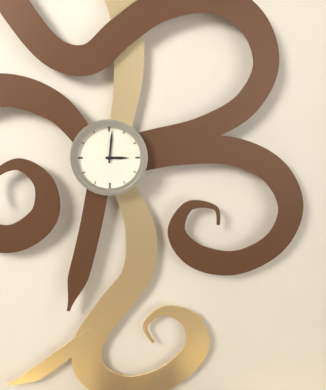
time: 3:01
